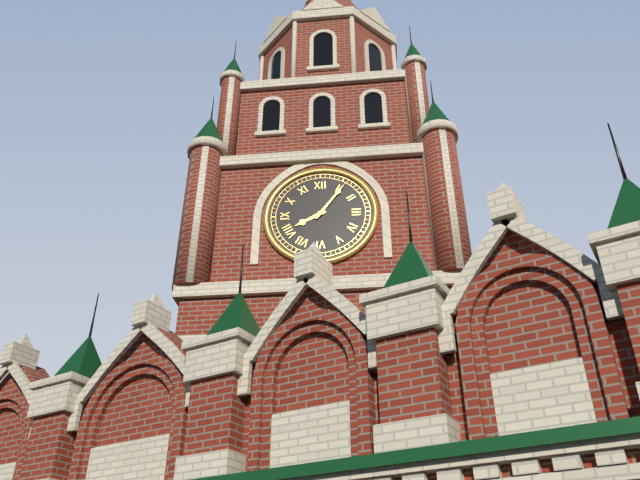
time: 8:06
